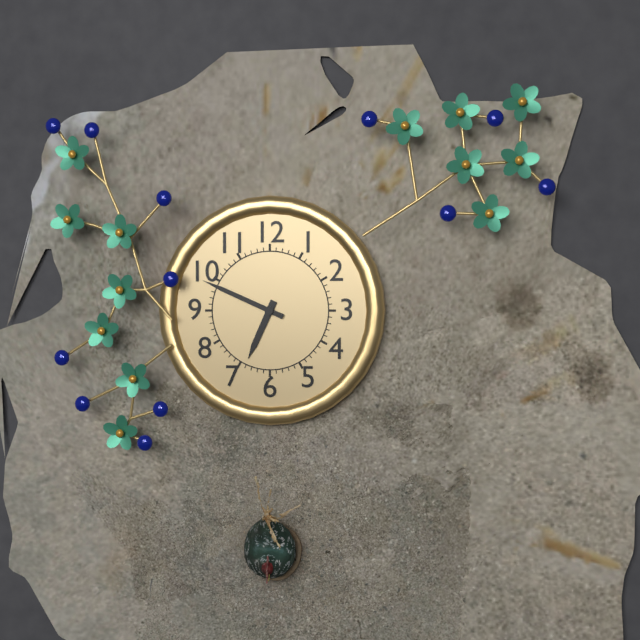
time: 6:49
